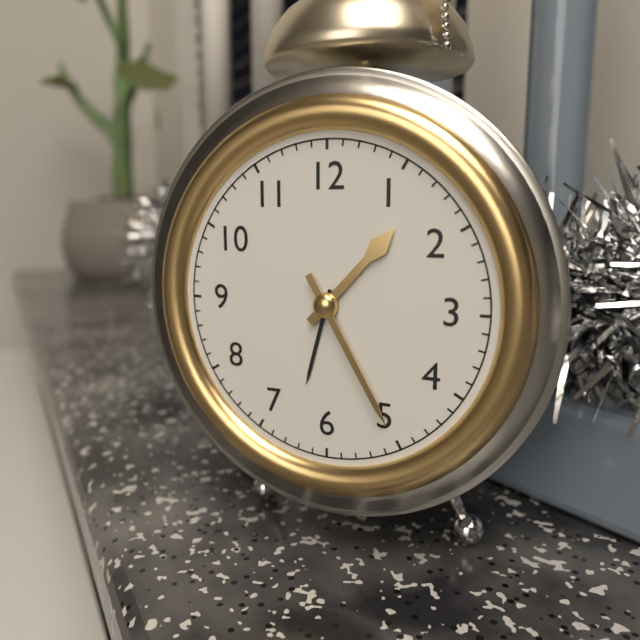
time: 1:25
